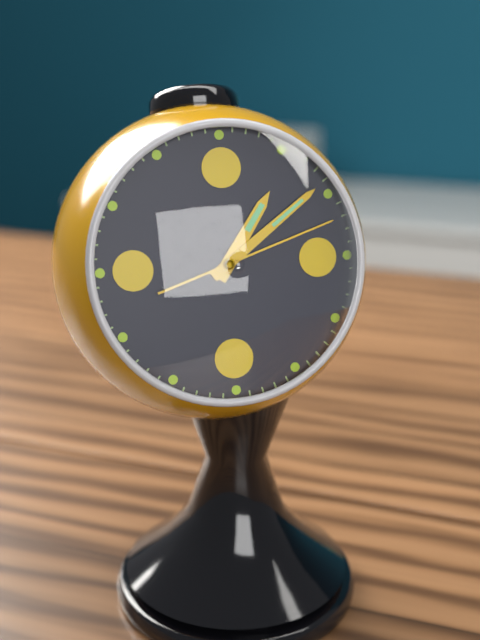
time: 1:09:12
